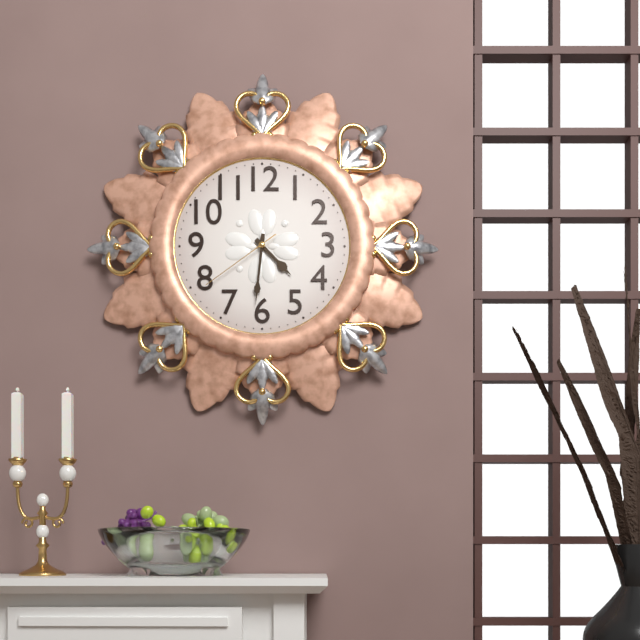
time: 4:31:39
